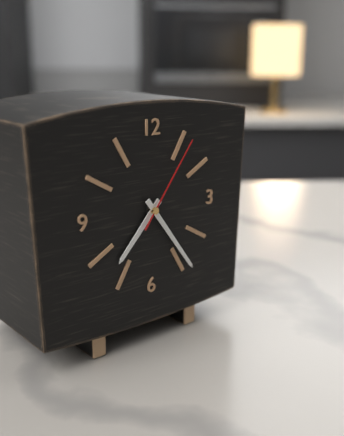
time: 7:24:06
